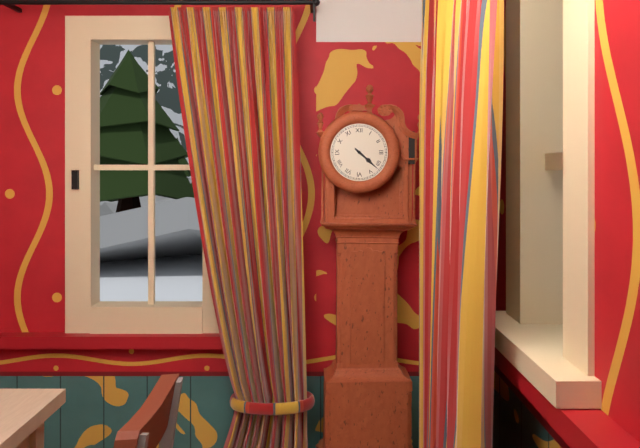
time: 4:22
